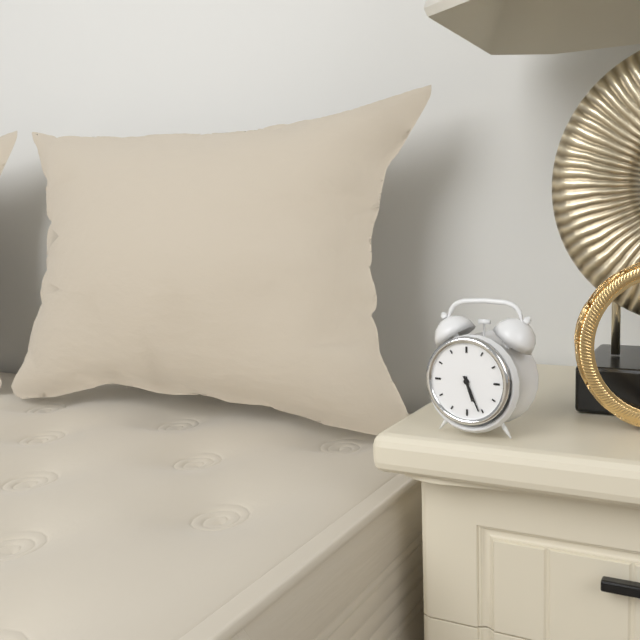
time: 5:26
